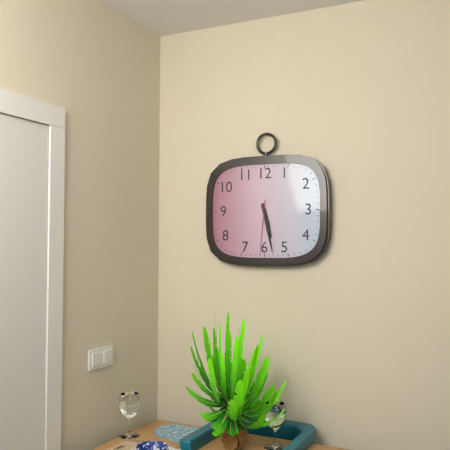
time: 5:28:31
